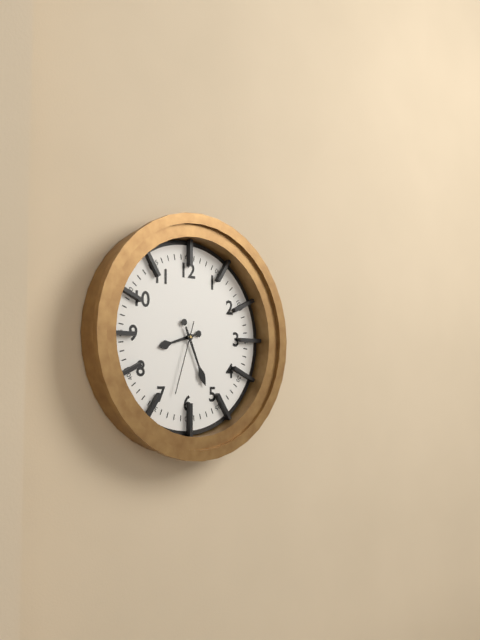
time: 8:26:33
